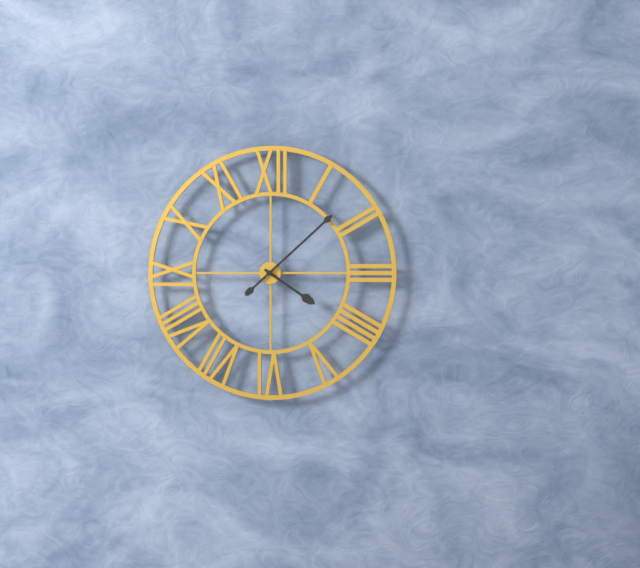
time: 4:08
